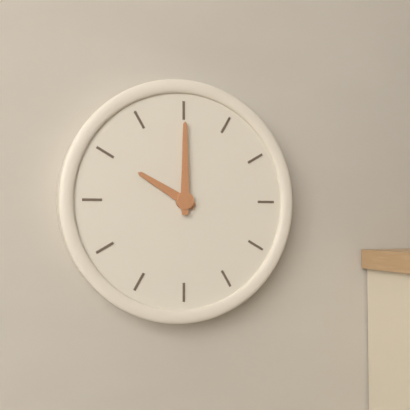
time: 10:00
